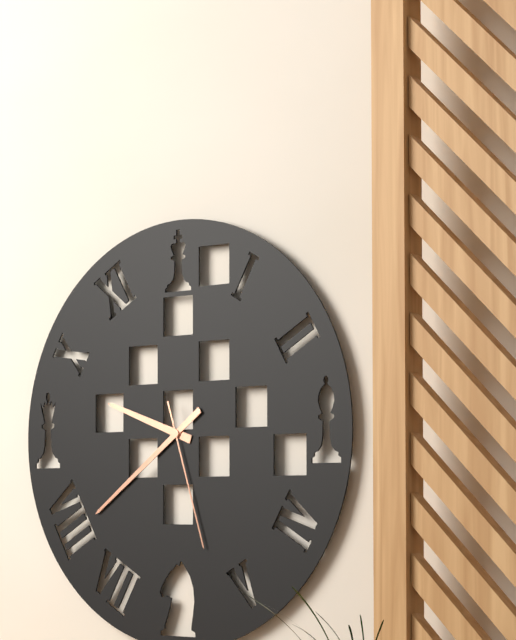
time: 9:39:27
